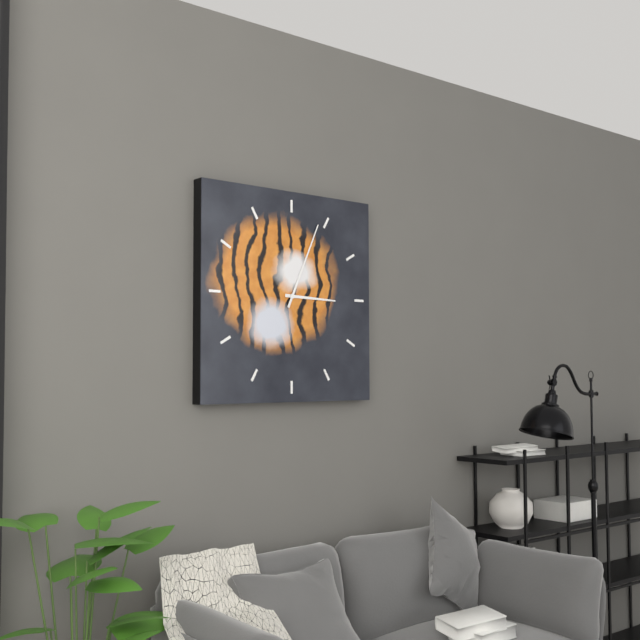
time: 3:04
